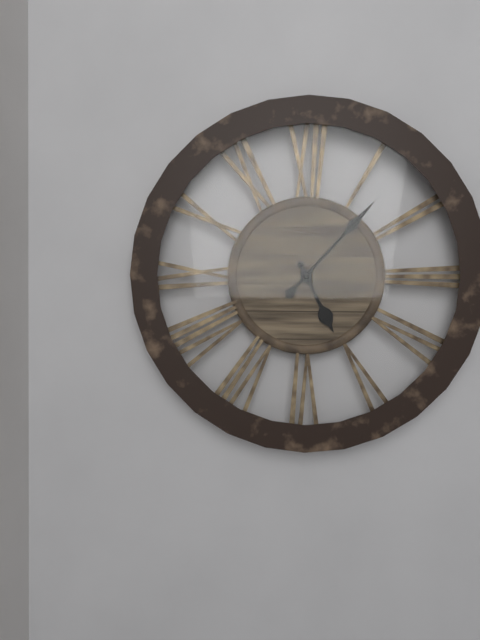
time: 5:07
